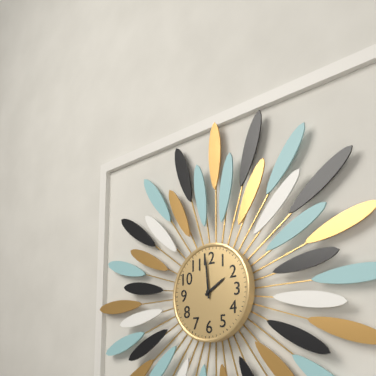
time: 1:59
